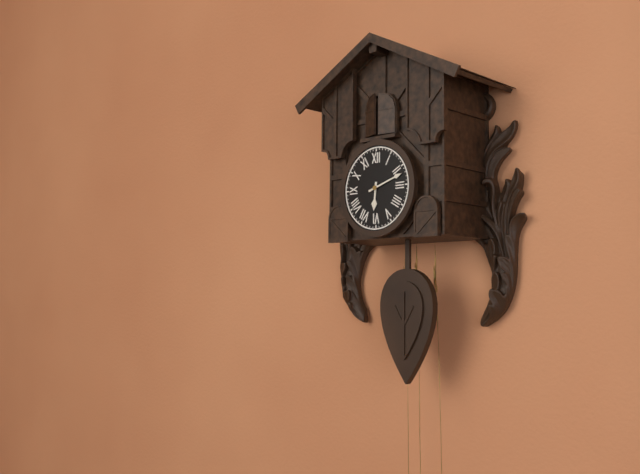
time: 6:12
